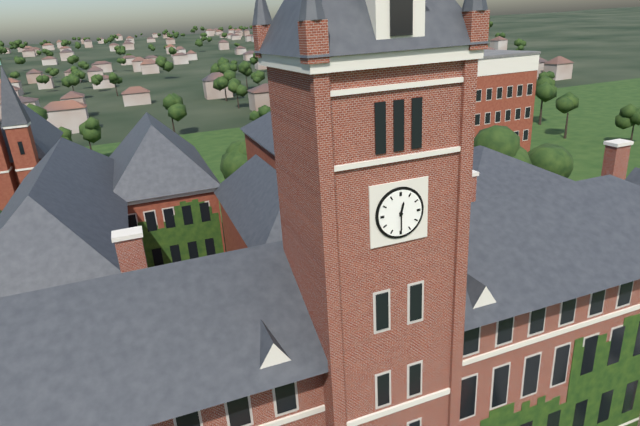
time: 12:30
